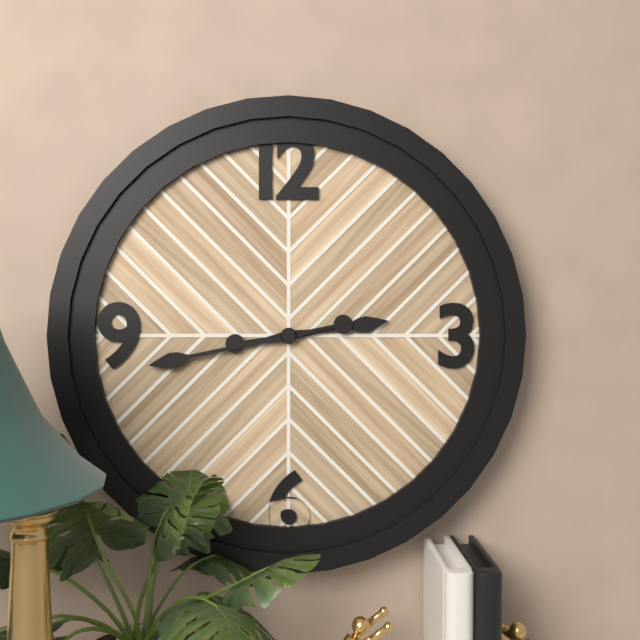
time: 2:43
